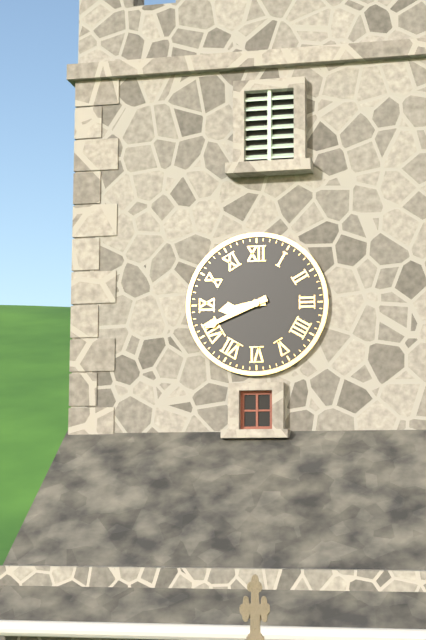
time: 8:41
